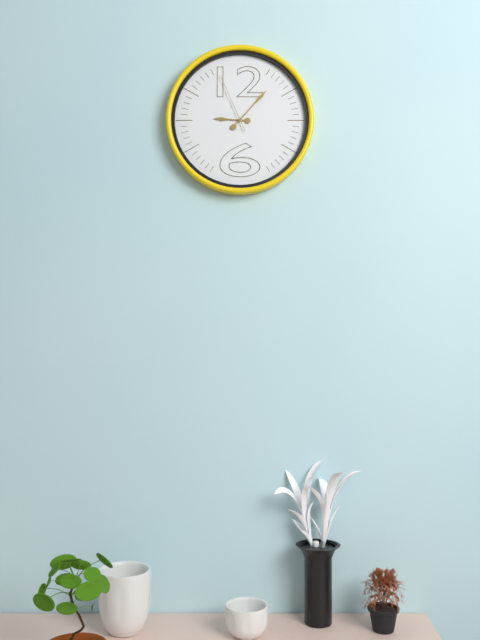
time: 9:07:56
